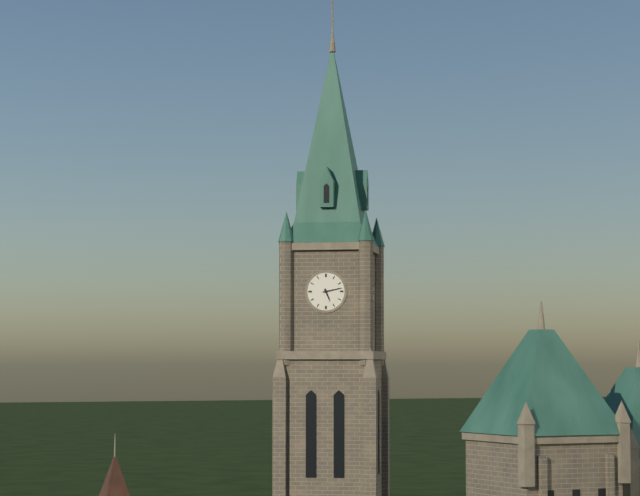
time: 5:13
